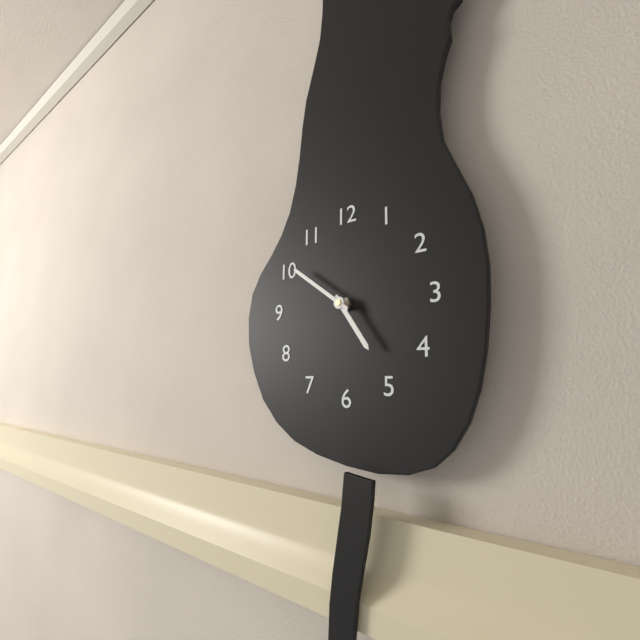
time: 4:51
